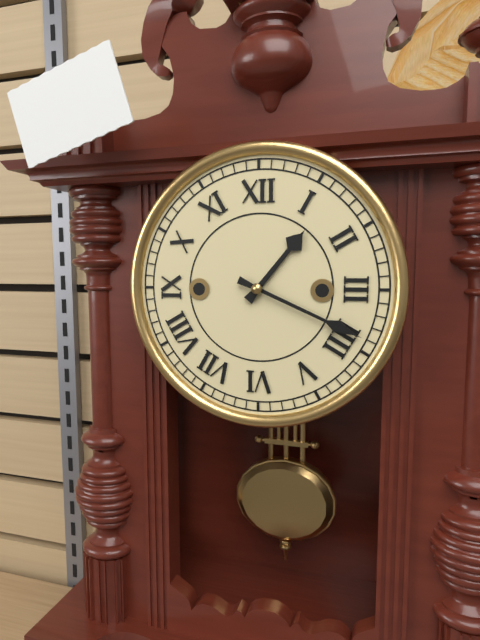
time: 1:19
